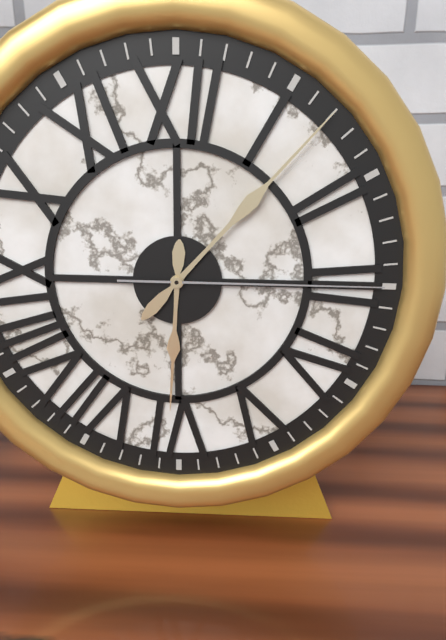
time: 6:07:15
